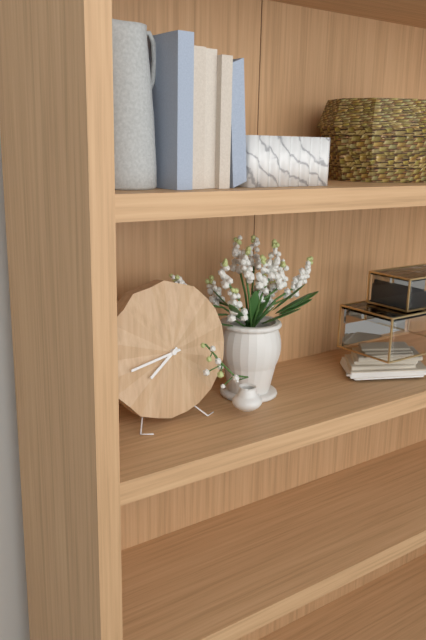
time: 7:43
